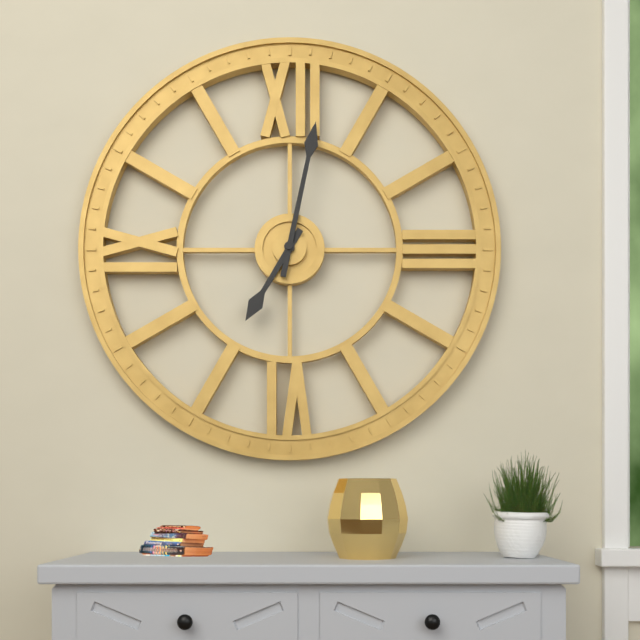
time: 7:02
